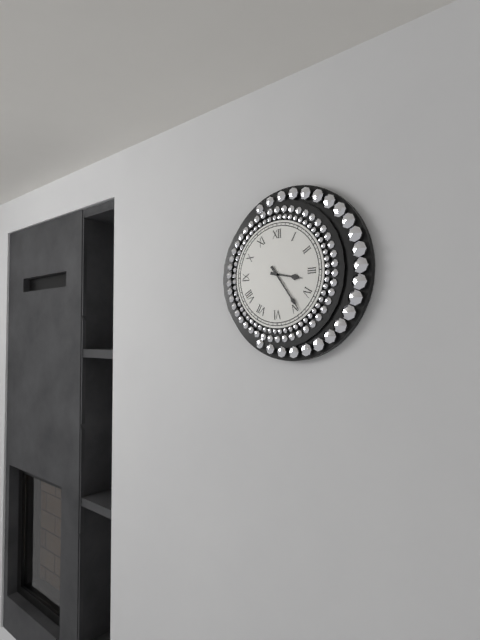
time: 3:24
